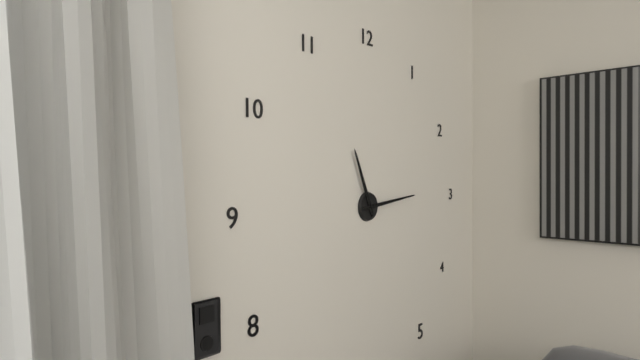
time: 11:14
